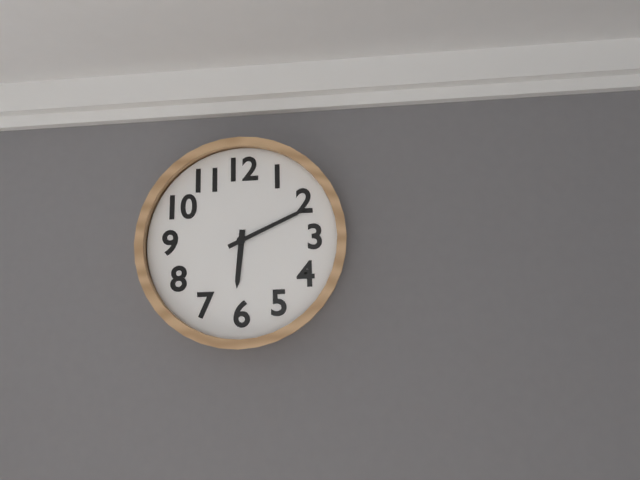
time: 6:11
